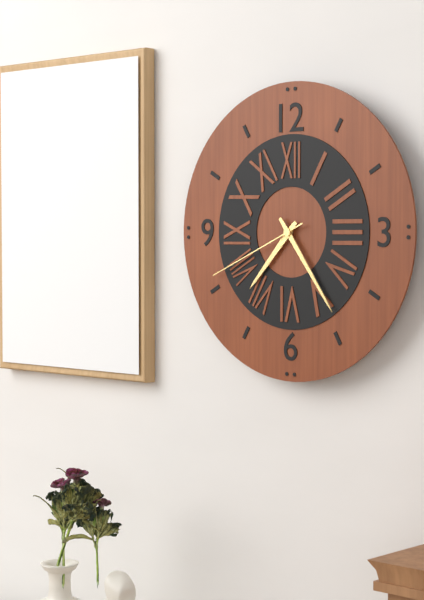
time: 7:24:41
